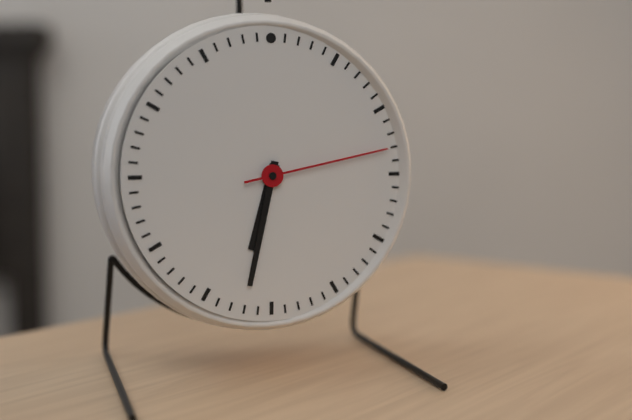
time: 6:32:13
